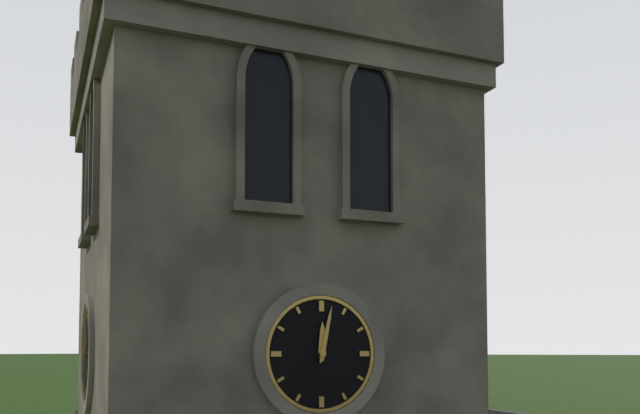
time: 12:02
